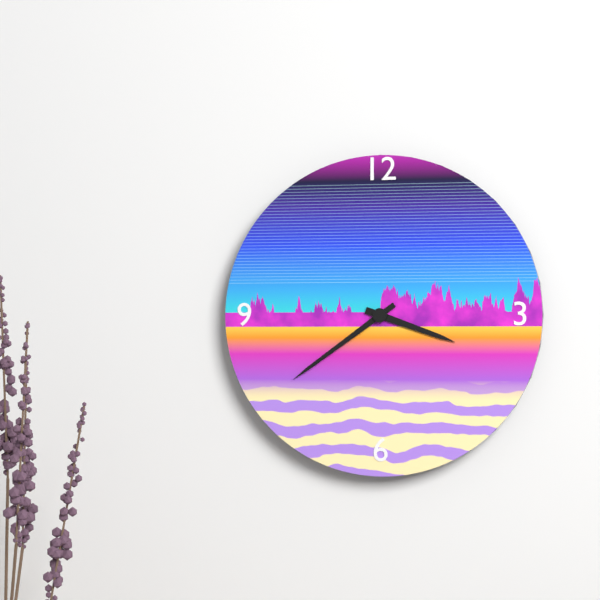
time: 3:39
